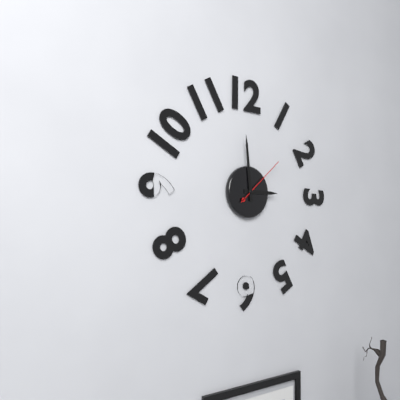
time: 2:59:08
